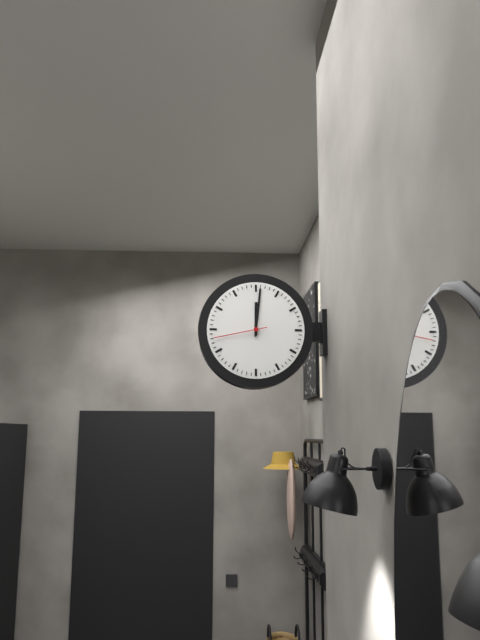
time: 12:01:43
